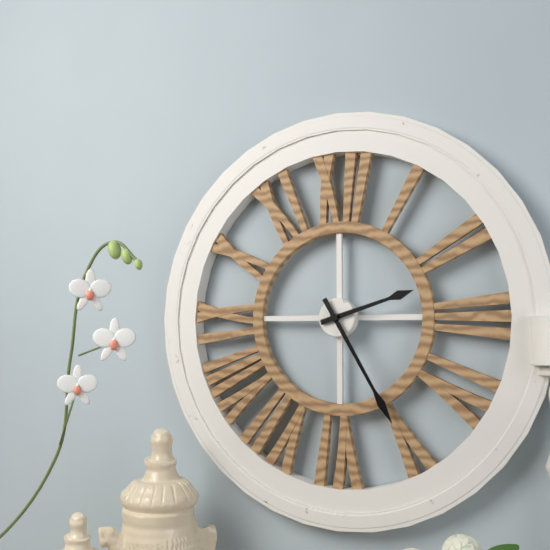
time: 2:25
